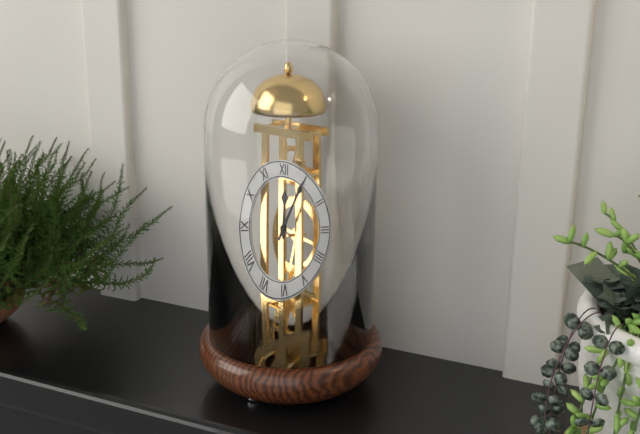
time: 12:05
